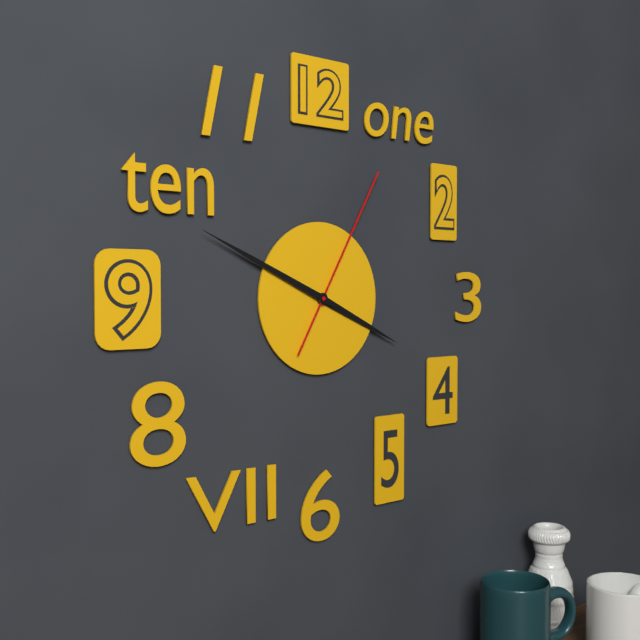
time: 3:49:05
